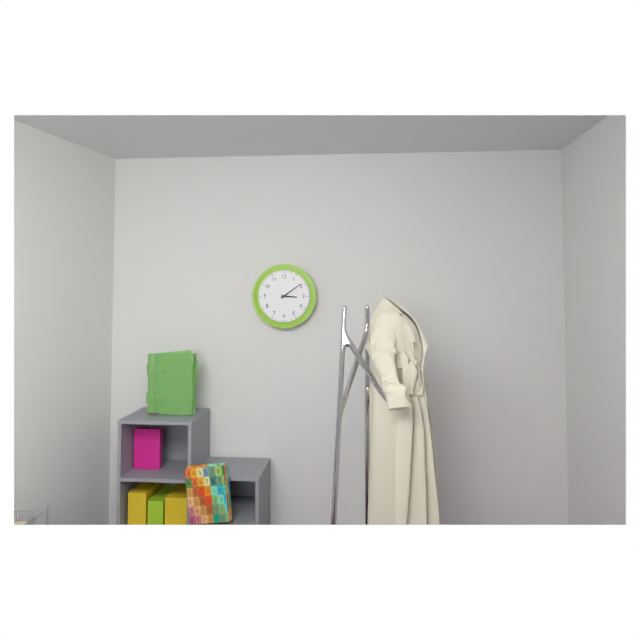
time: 3:09
